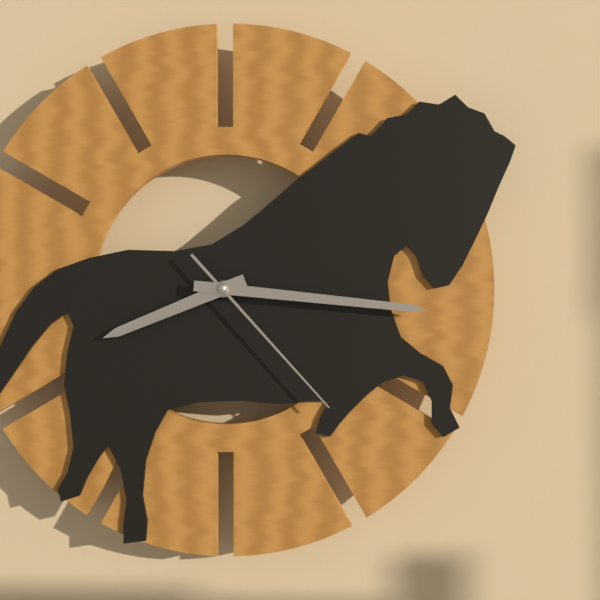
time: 8:16:23
